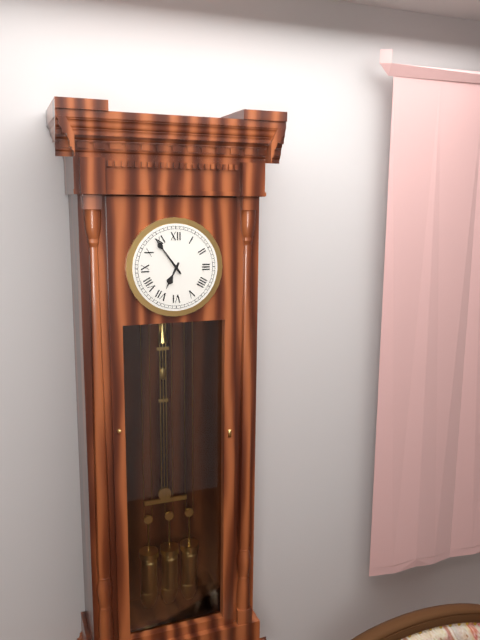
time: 6:54
